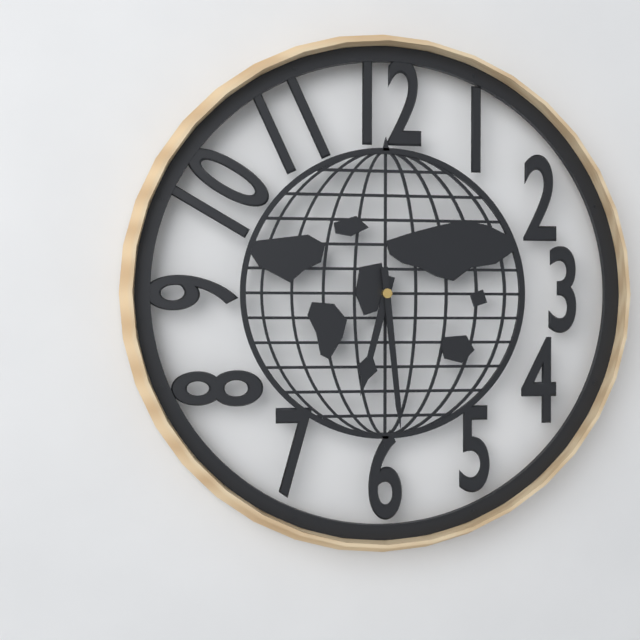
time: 6:29
